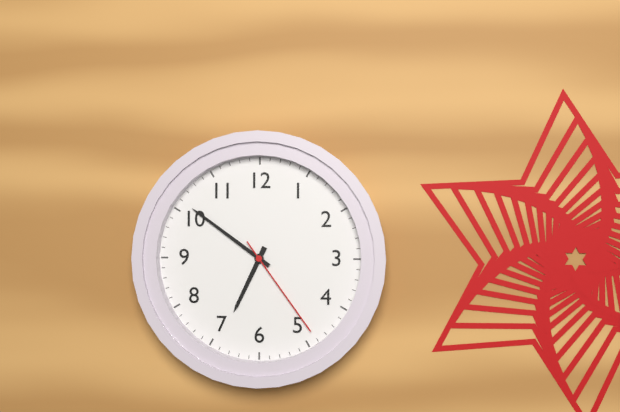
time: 6:51:24
